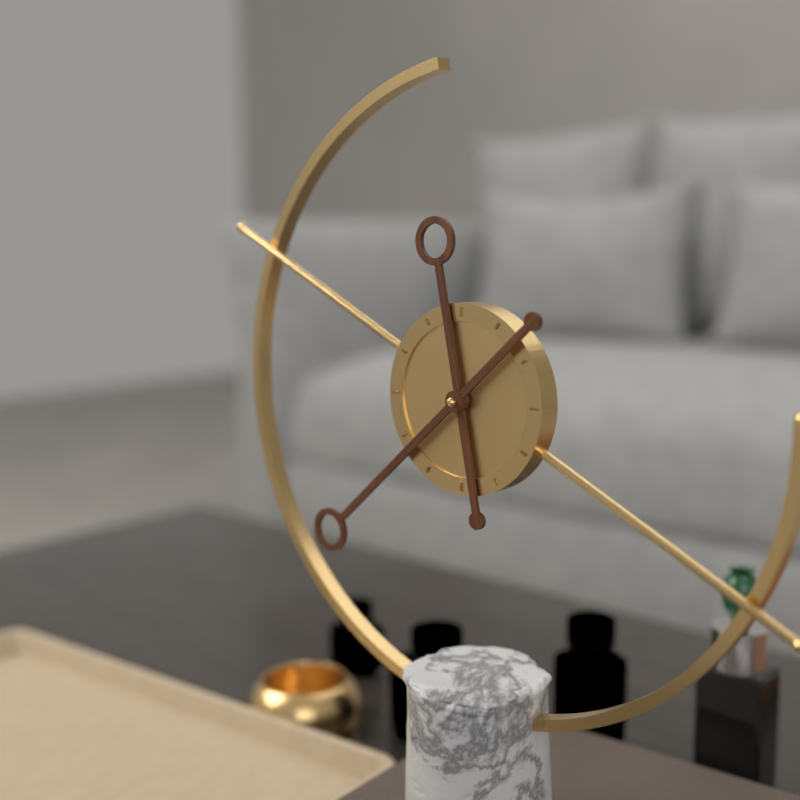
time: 11:38
